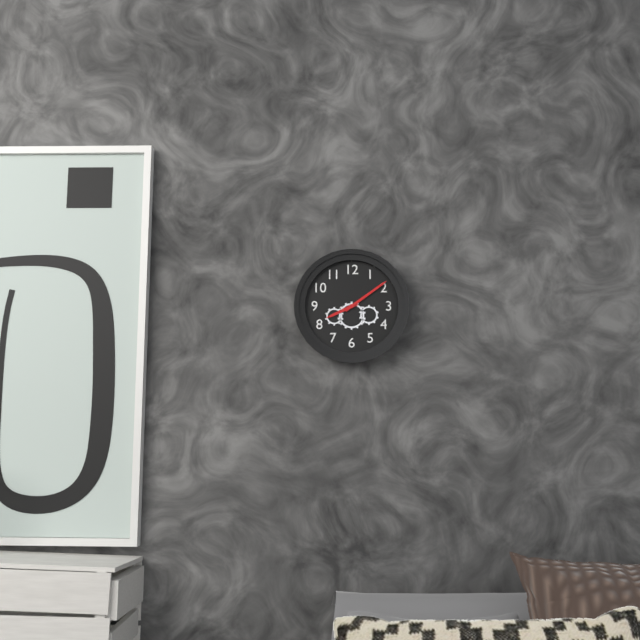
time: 8:09
